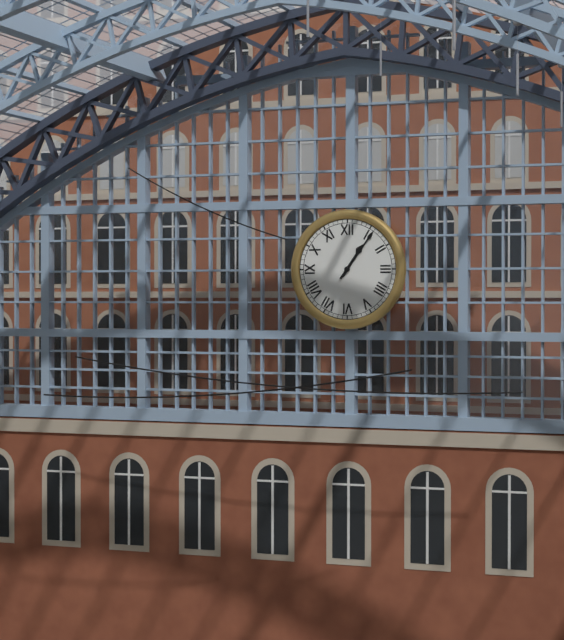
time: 1:06
